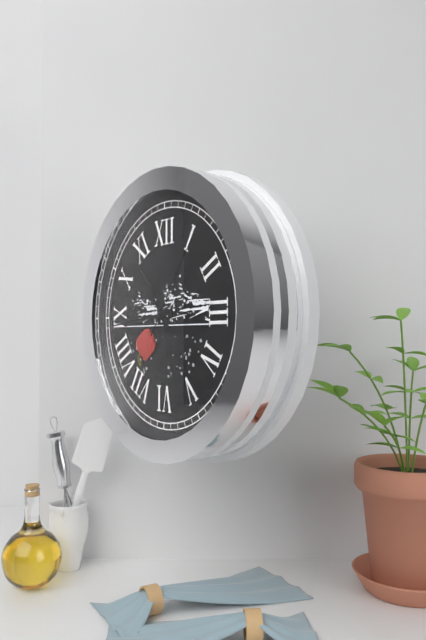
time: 10:44:06
